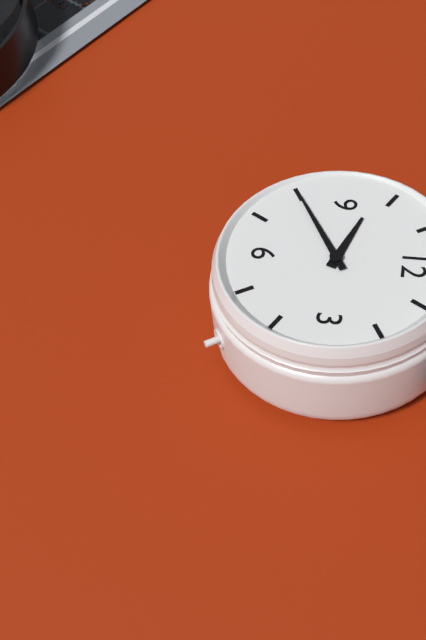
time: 9:40
